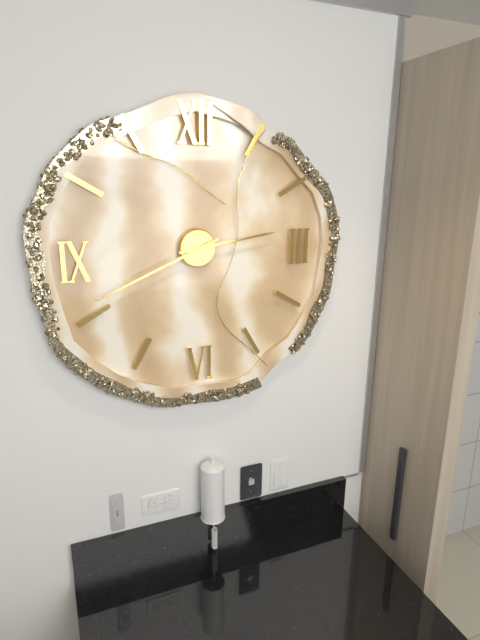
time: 2:41
